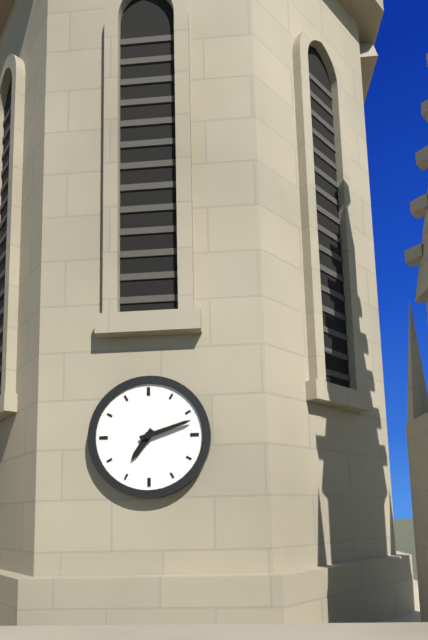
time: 7:12
